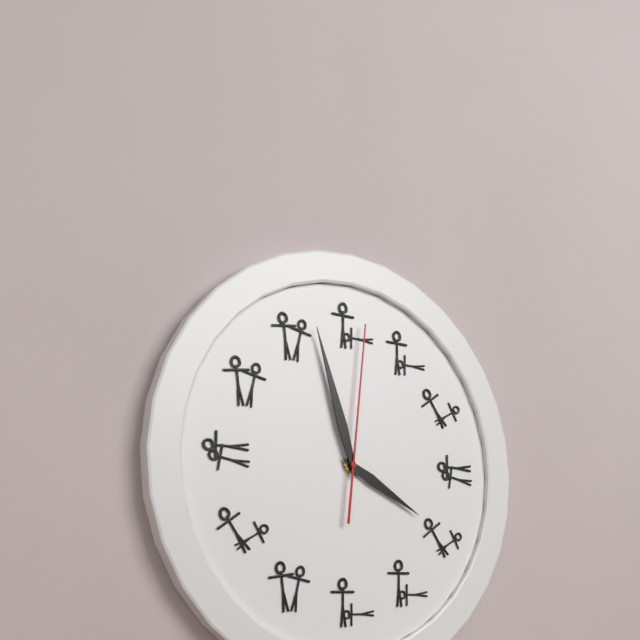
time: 3:57:01
